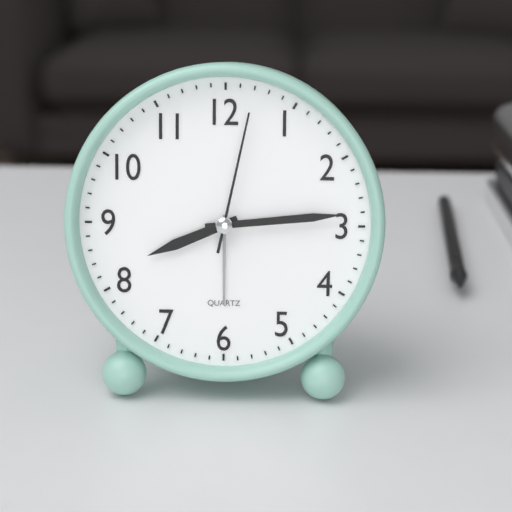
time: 8:14:02
